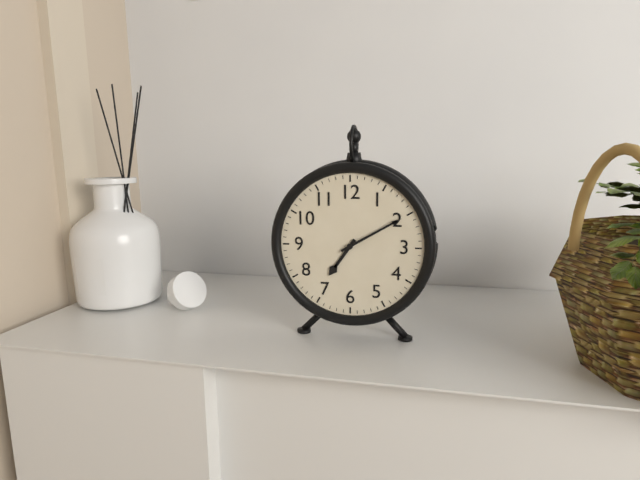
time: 7:10
